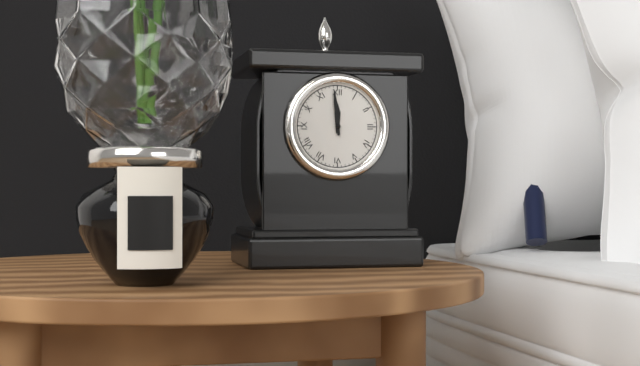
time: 11:59
